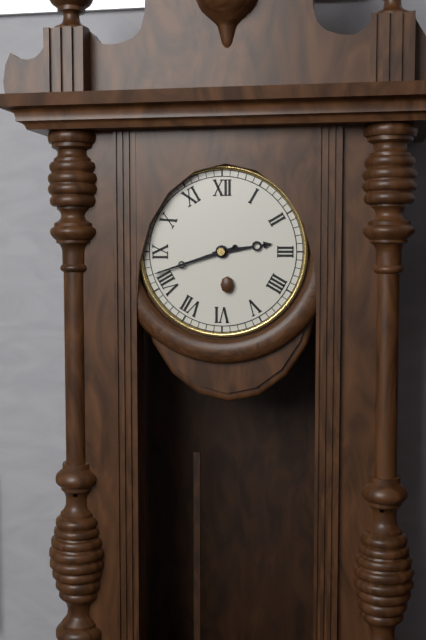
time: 2:42
